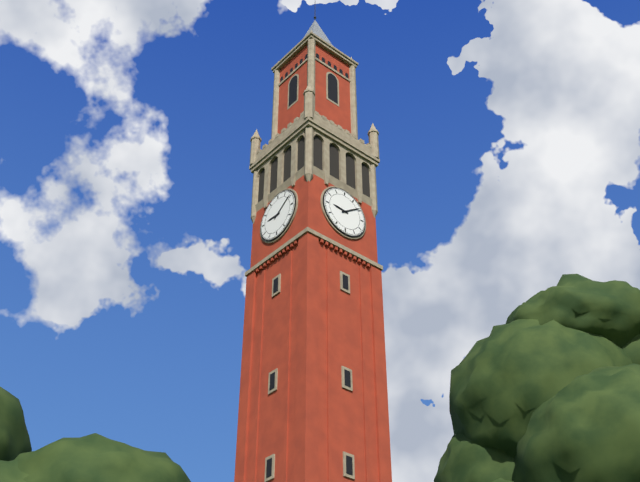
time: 9:09
